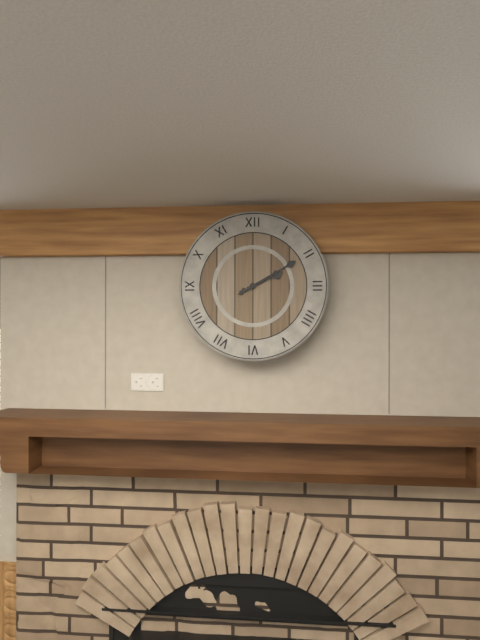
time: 2:10
